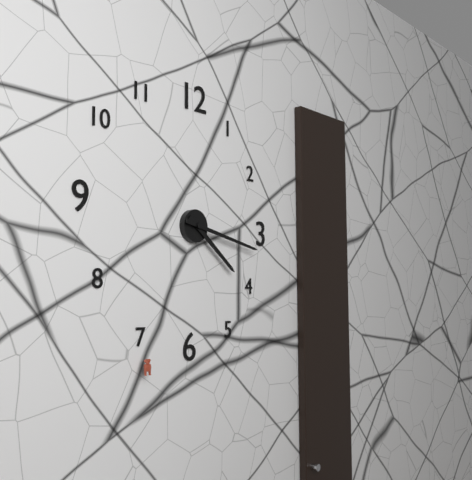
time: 4:17
